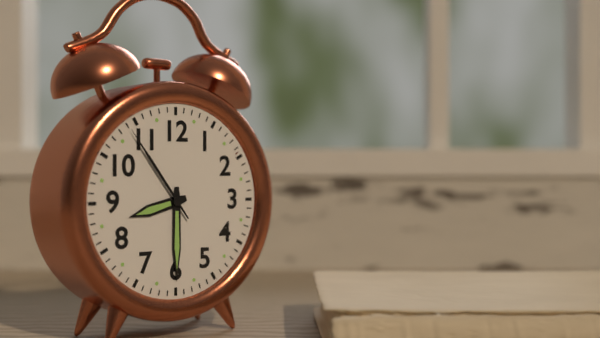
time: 8:30:54
